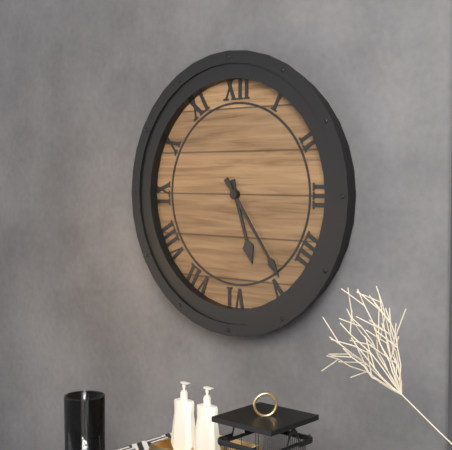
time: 5:24
